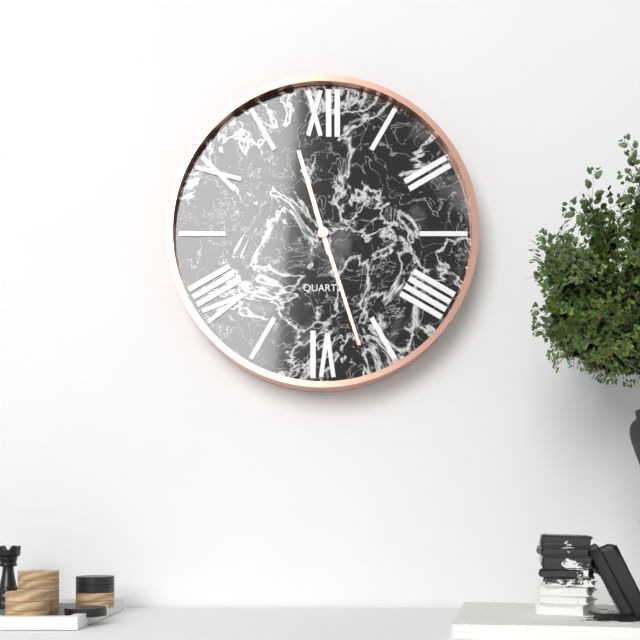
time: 11:27
